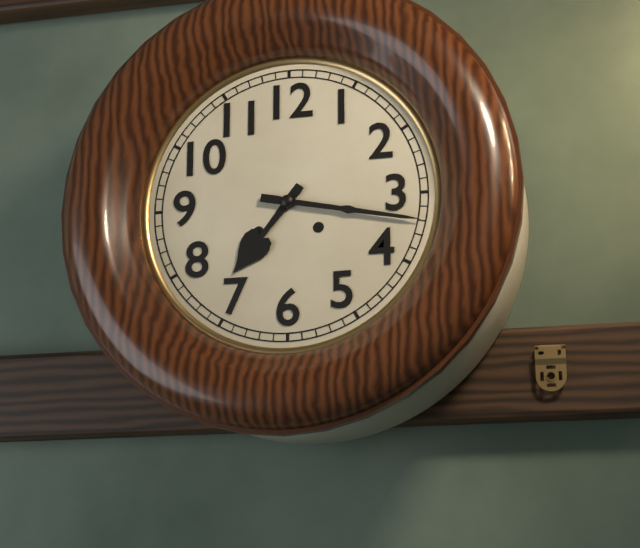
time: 7:17
